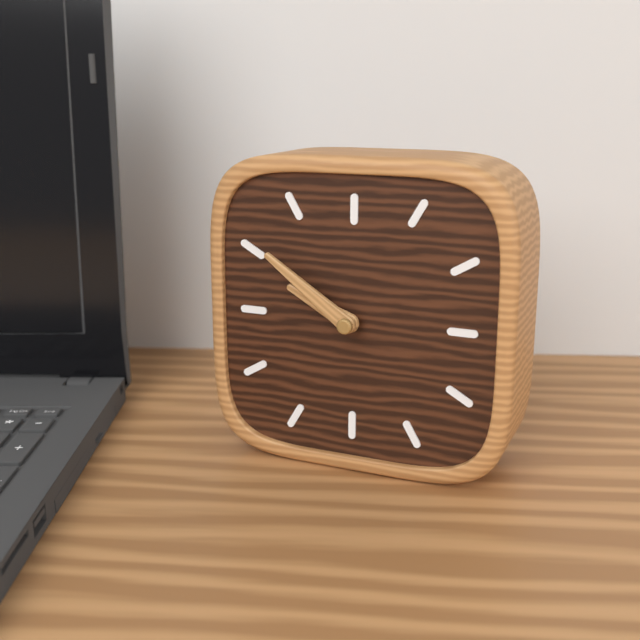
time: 9:51
